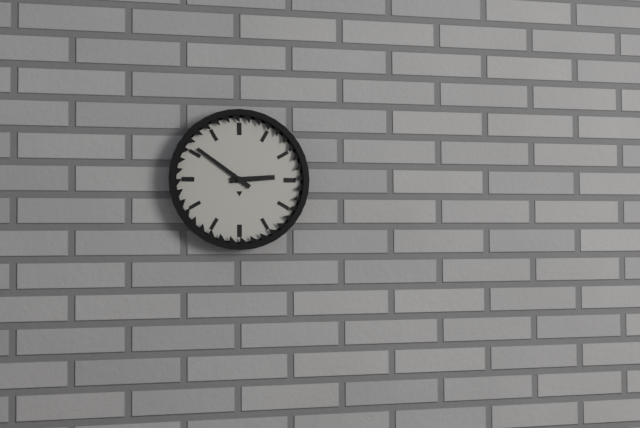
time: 2:51
